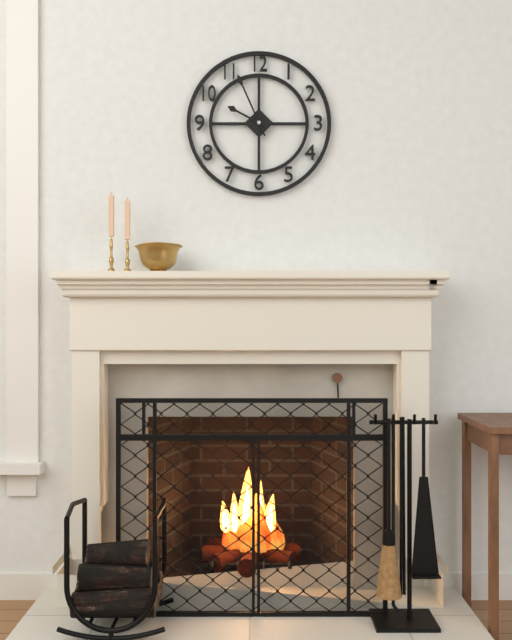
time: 9:56
